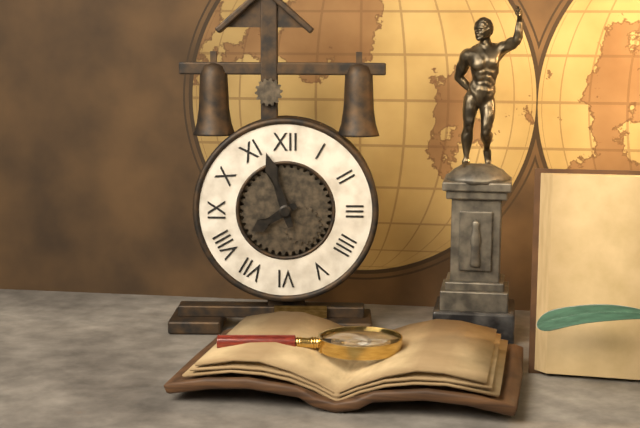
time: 7:57
